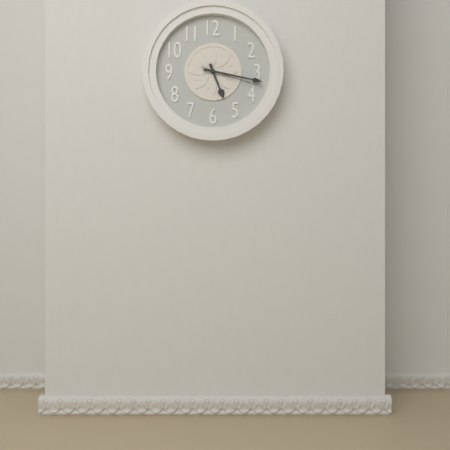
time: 5:17:18
